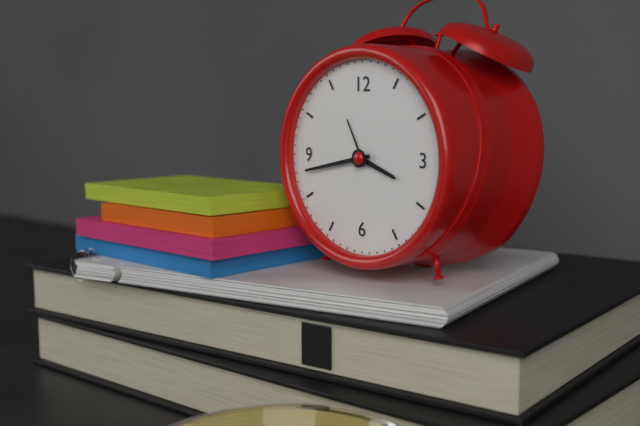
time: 3:43
